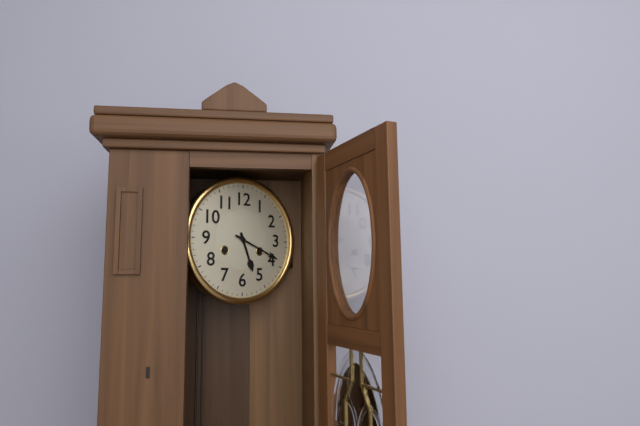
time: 5:19
